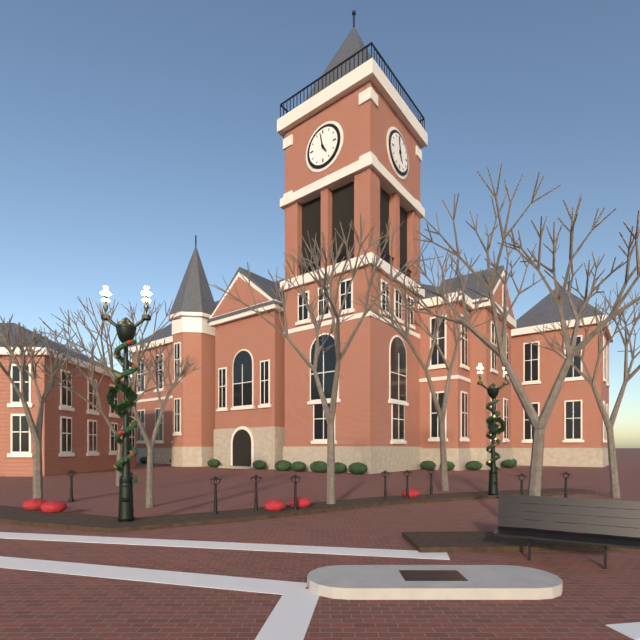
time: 4:58
